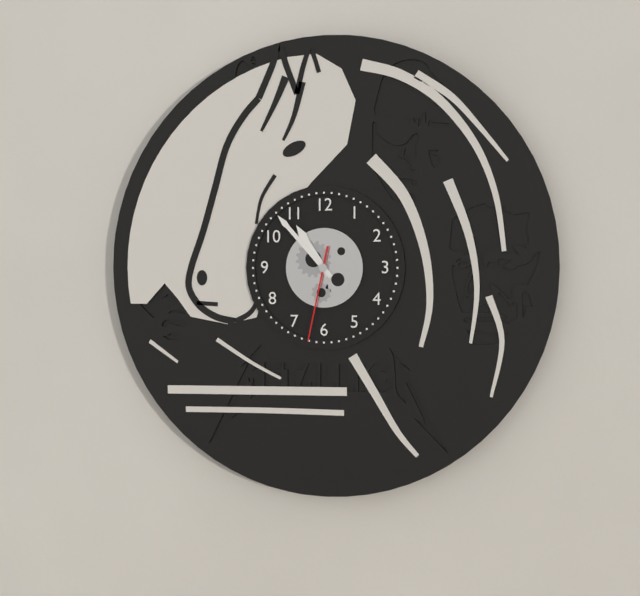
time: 10:53:32
